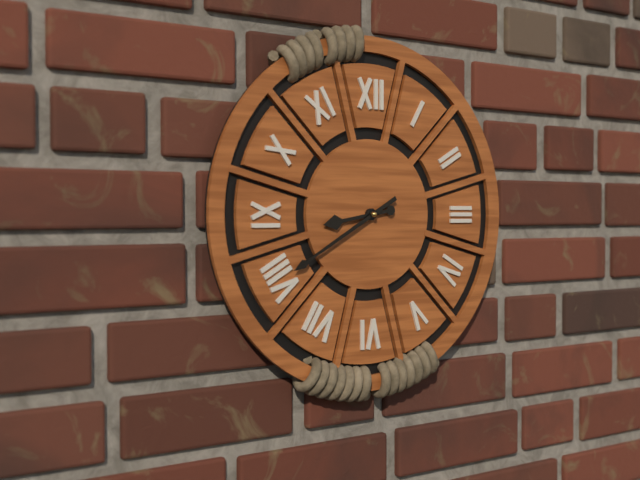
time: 8:40
